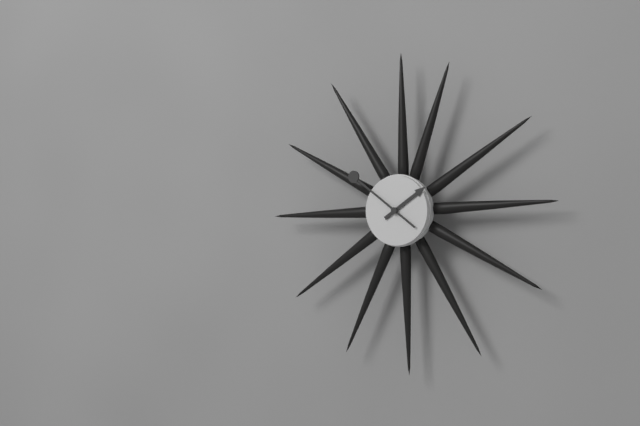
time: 1:51
